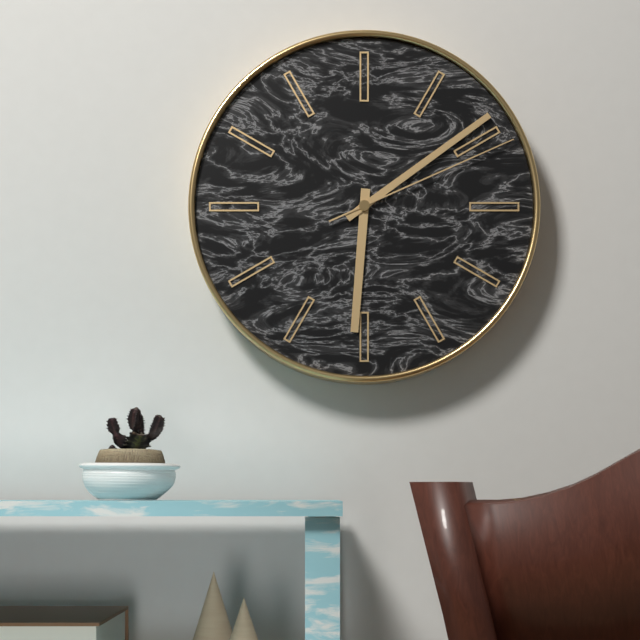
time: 6:09:11
